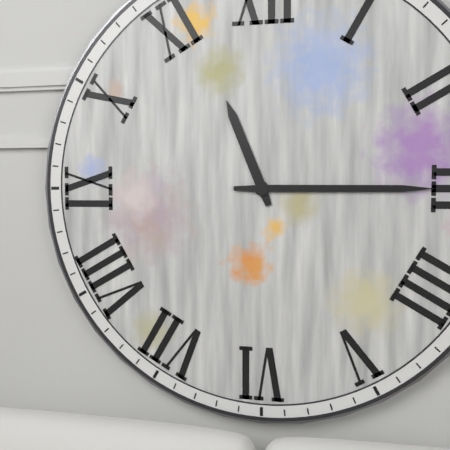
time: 11:15
